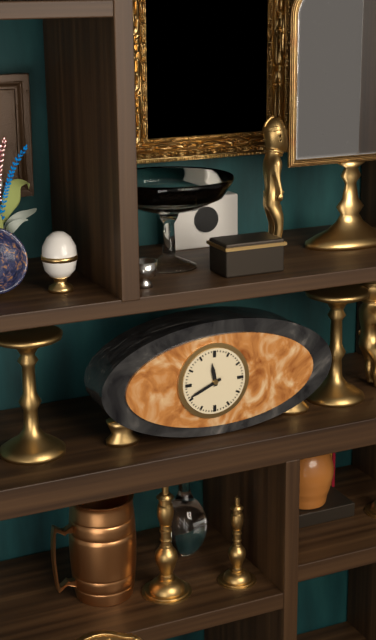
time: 11:41
